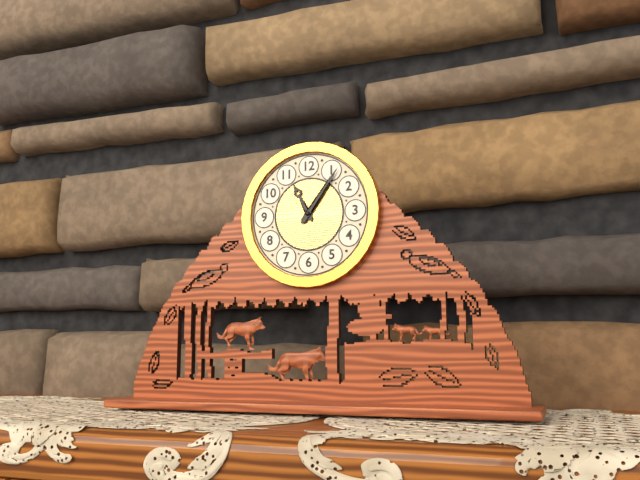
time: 11:06
